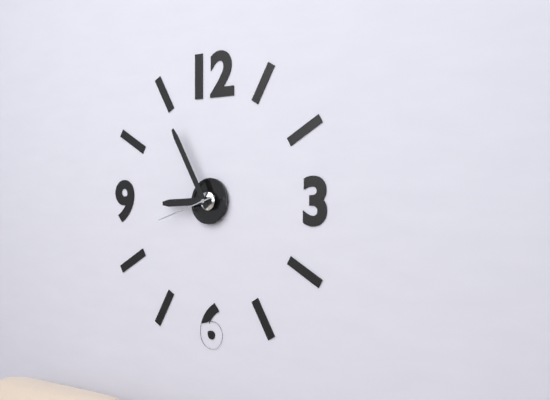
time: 8:55:42
